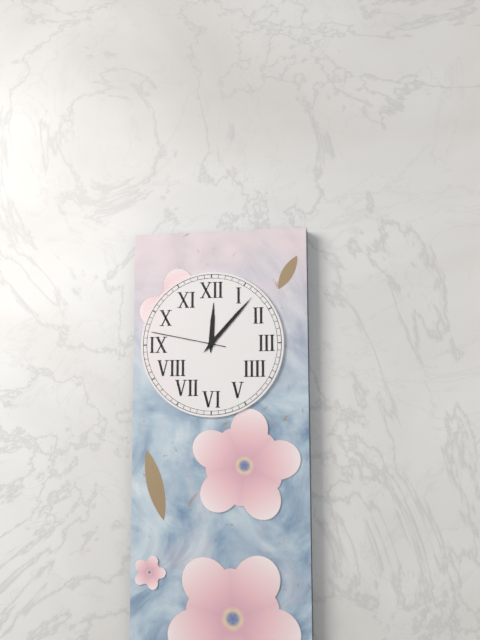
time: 12:07:47
